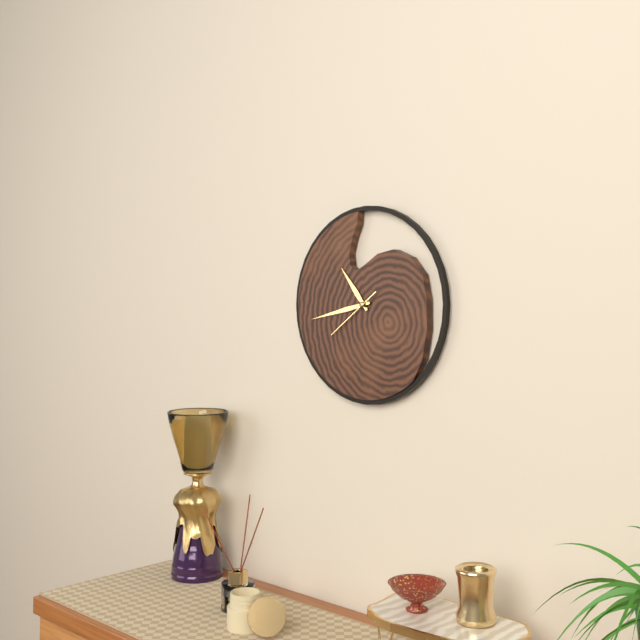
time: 10:43:39
